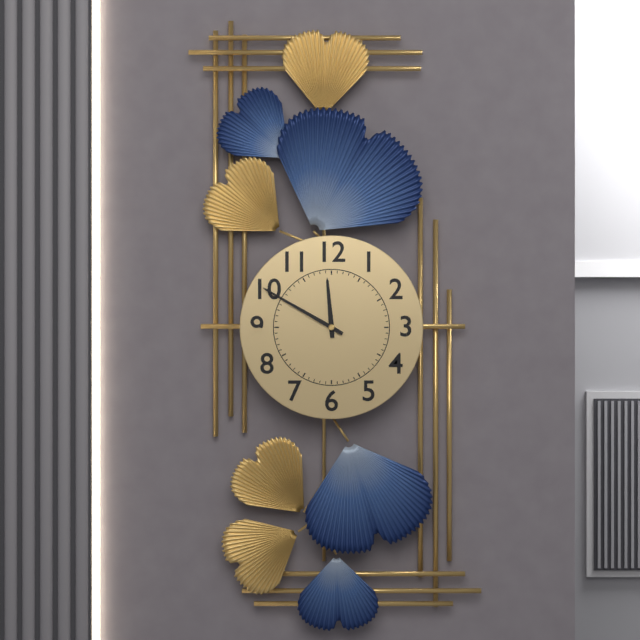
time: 11:50
